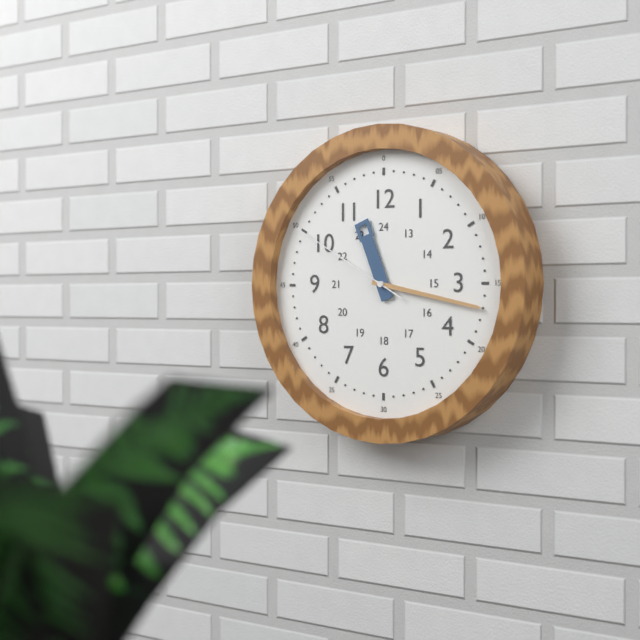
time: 11:17:50
